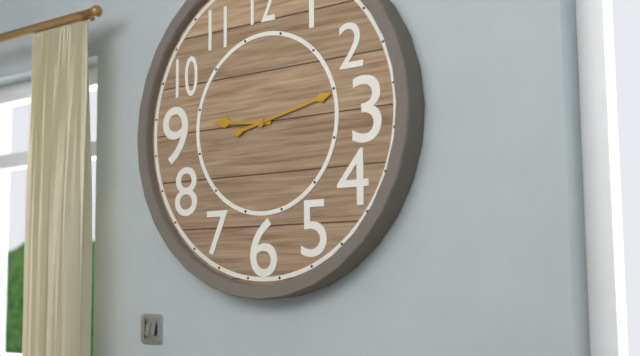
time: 9:13
